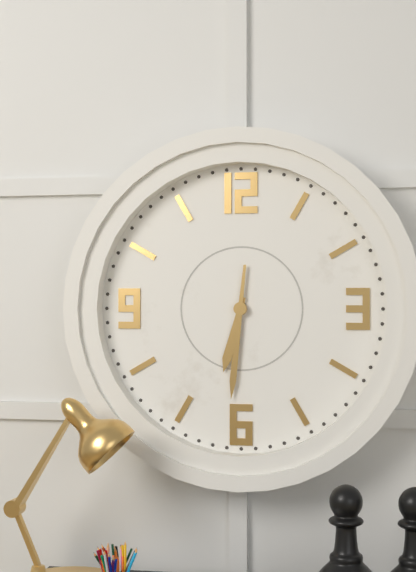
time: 6:31
